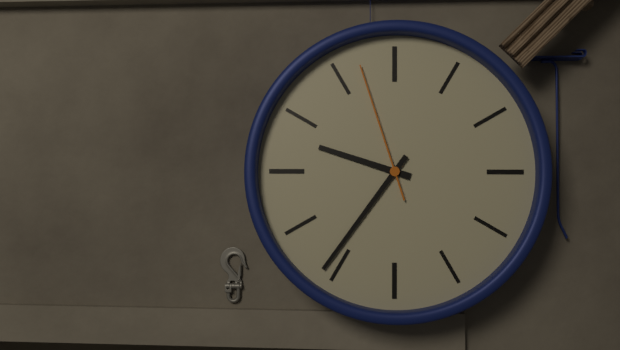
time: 9:36:57
